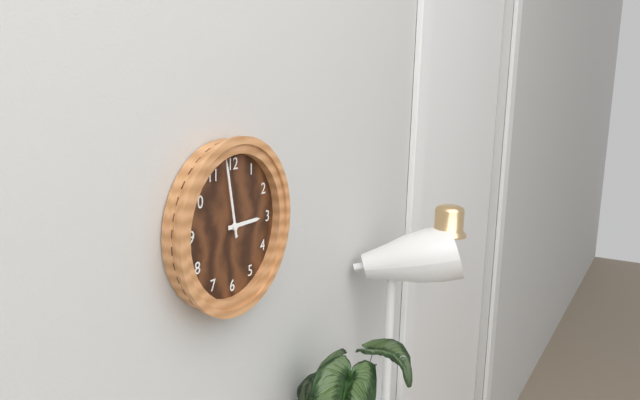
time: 2:58
